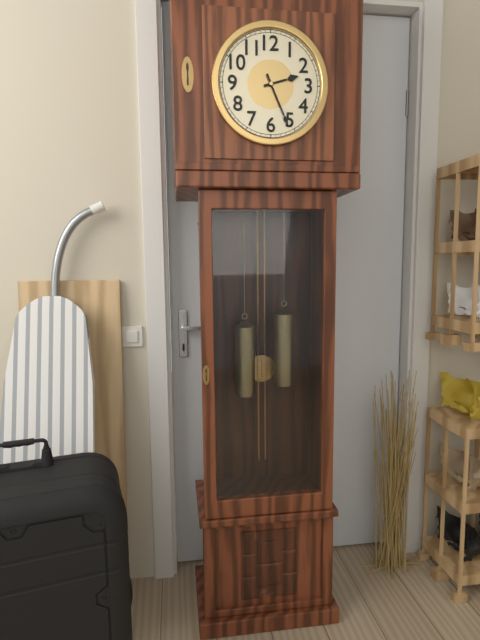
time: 2:26
